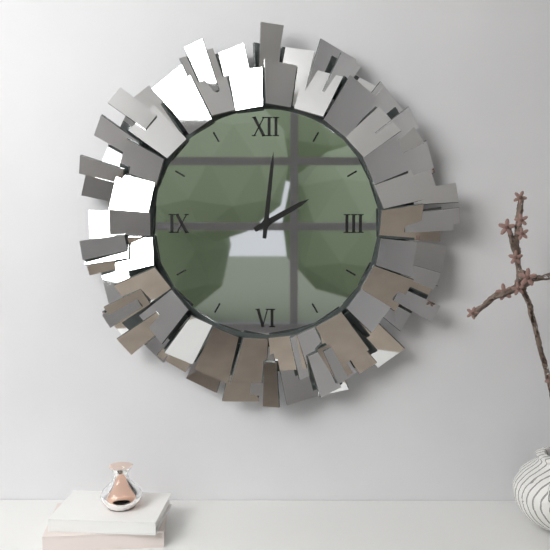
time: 2:01
